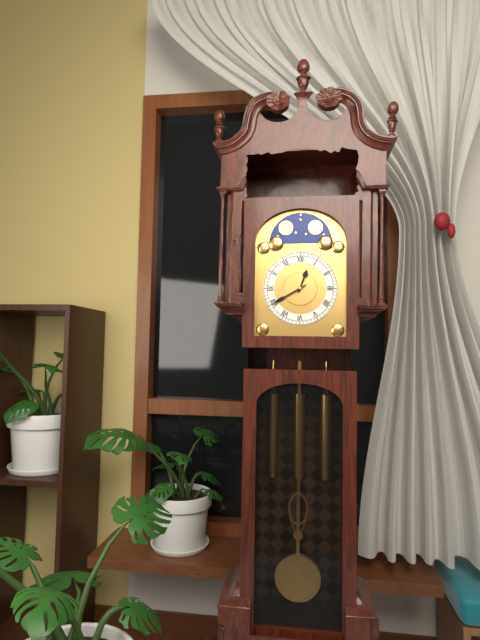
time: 12:40
